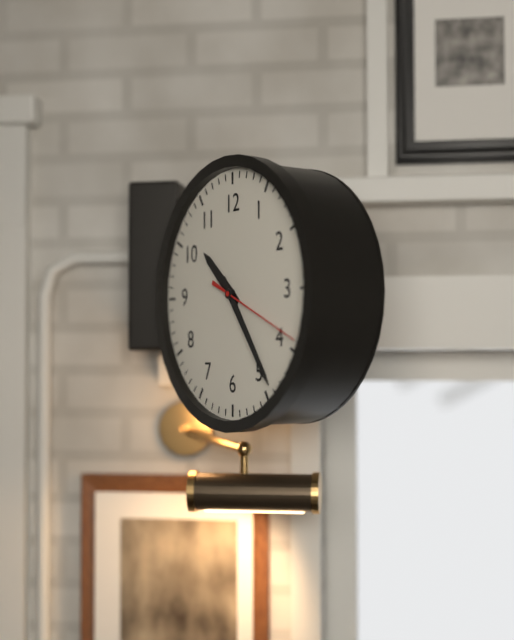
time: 10:24:19
